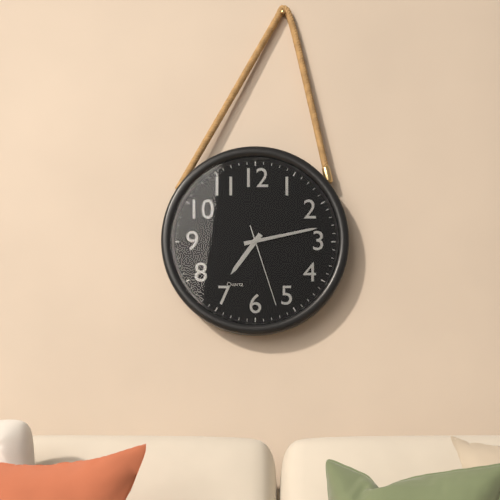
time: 7:13:27
